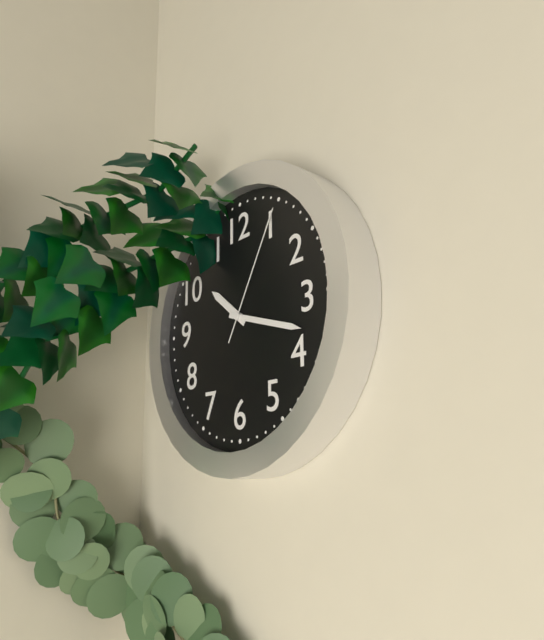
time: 10:18:05
